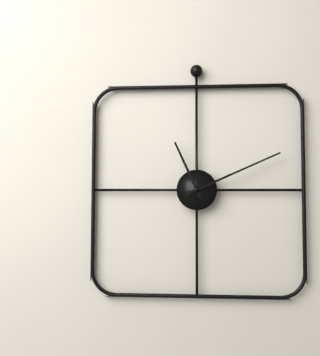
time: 11:11
